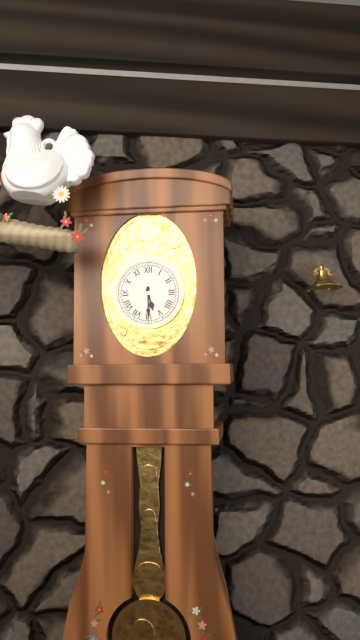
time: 5:30
